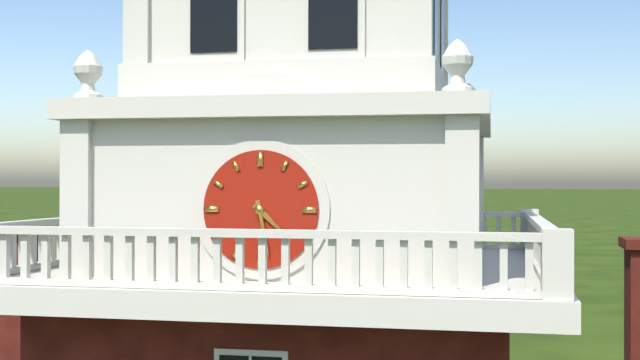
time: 4:28
